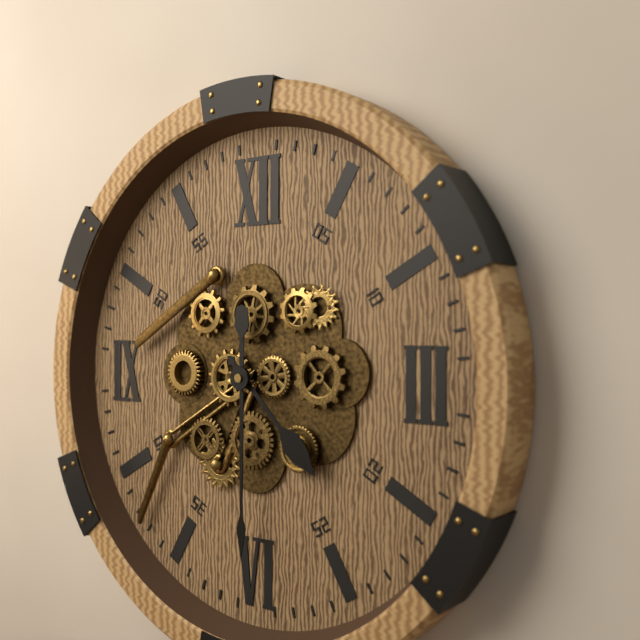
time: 4:30
